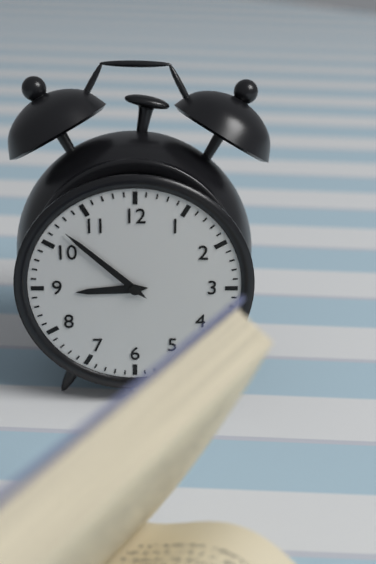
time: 8:52
